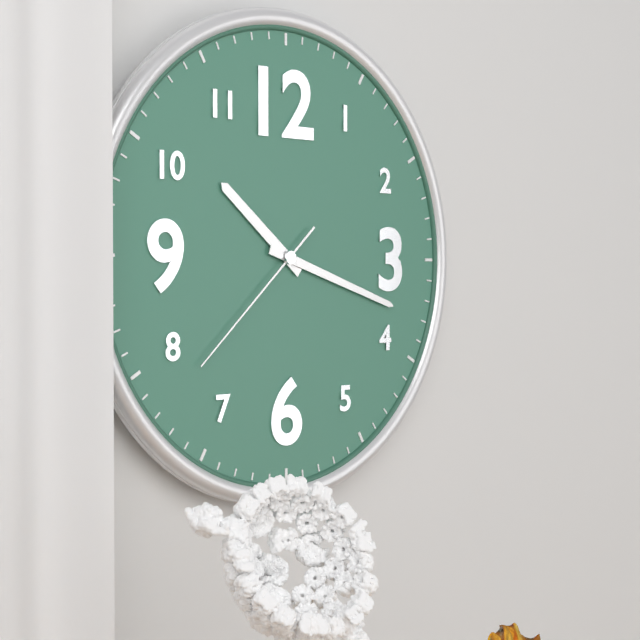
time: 10:18:38
